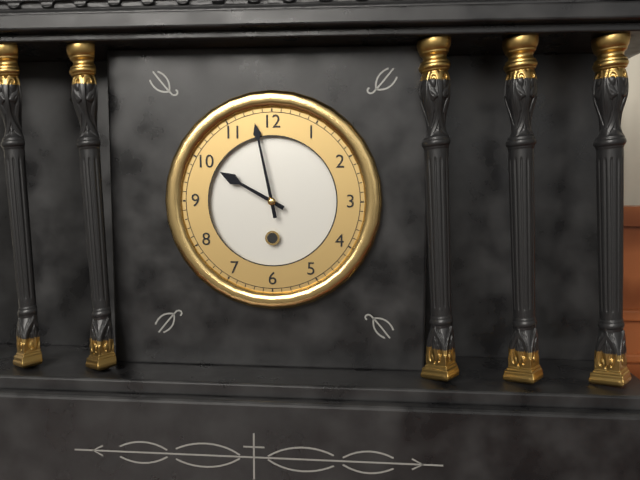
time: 9:58
